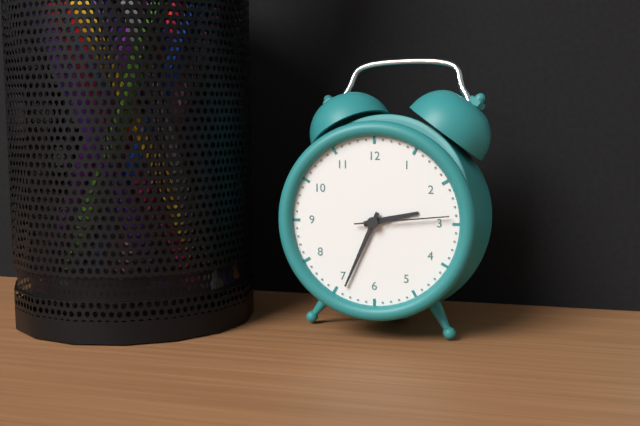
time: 2:34:14
